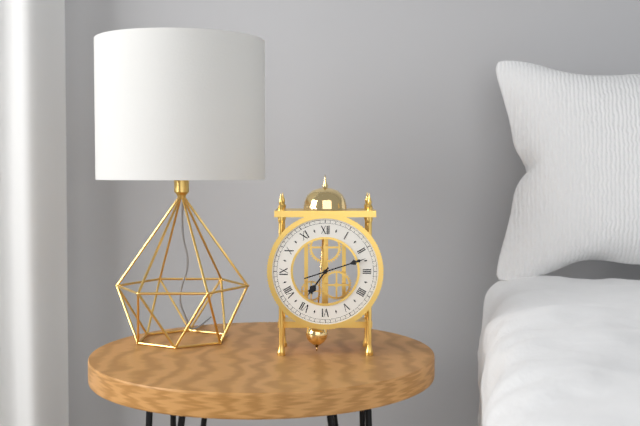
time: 7:12
